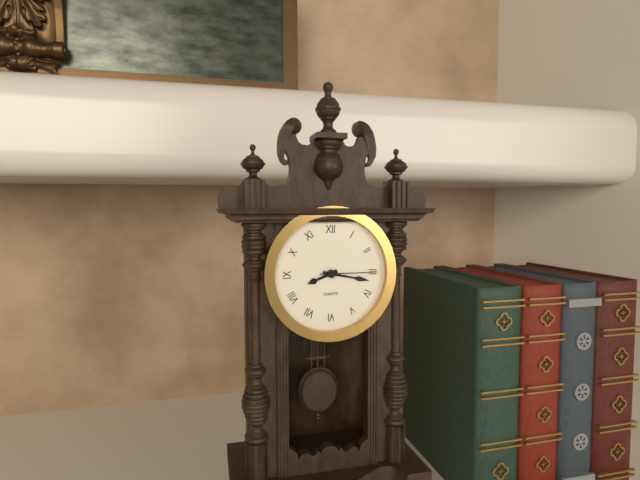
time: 8:17:15
